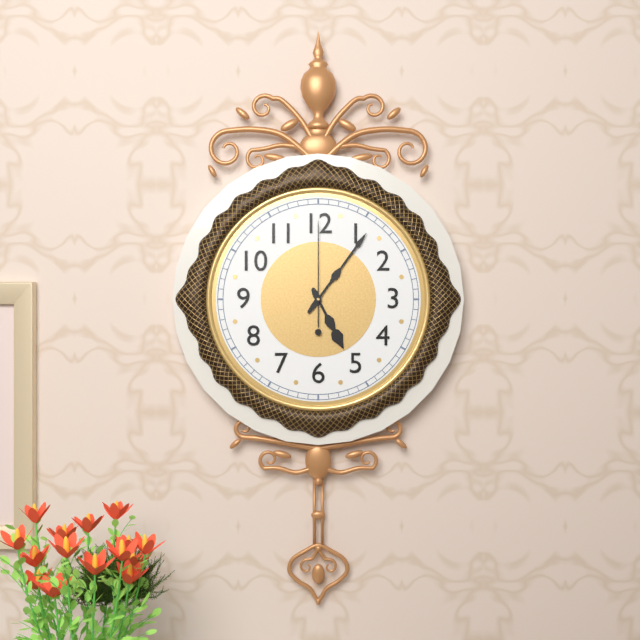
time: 5:06:00
